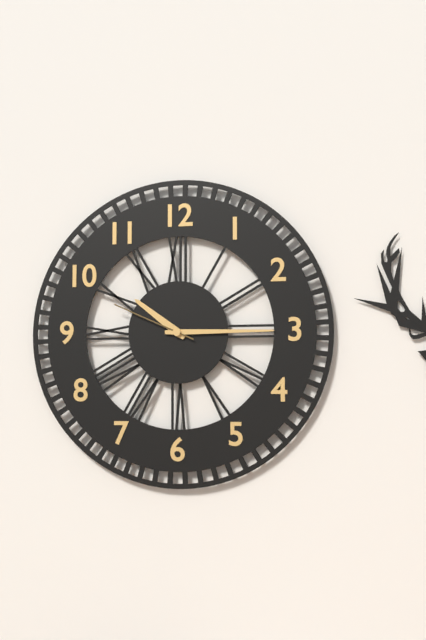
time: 10:15:49
